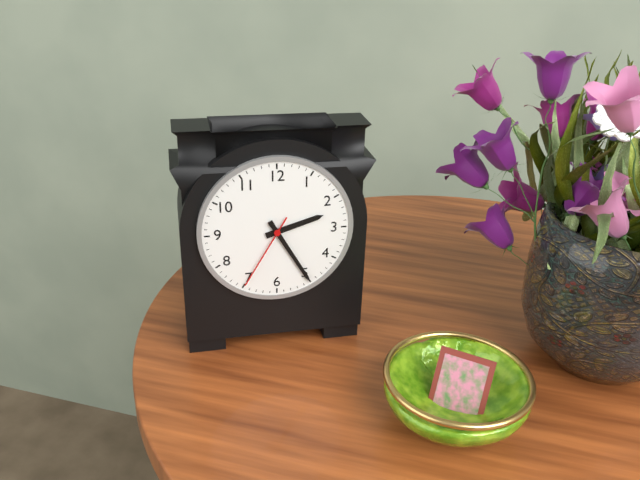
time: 2:25:35
